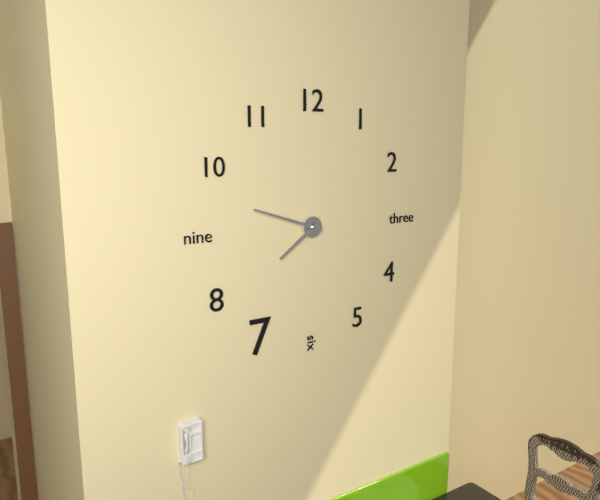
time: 7:48
